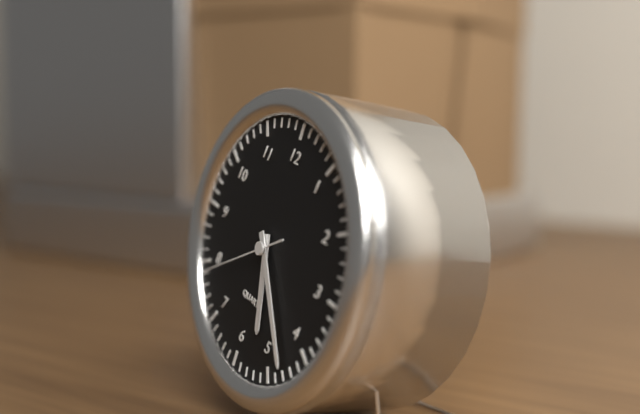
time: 5:23:39
